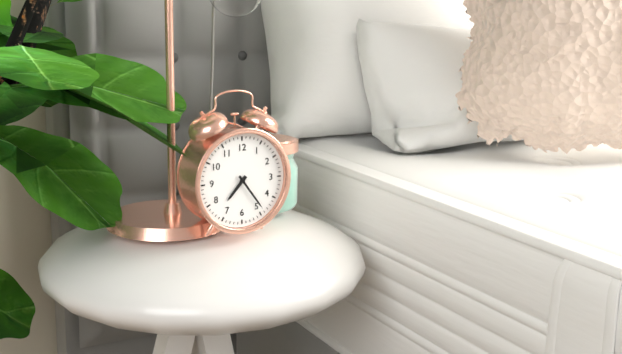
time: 7:24
